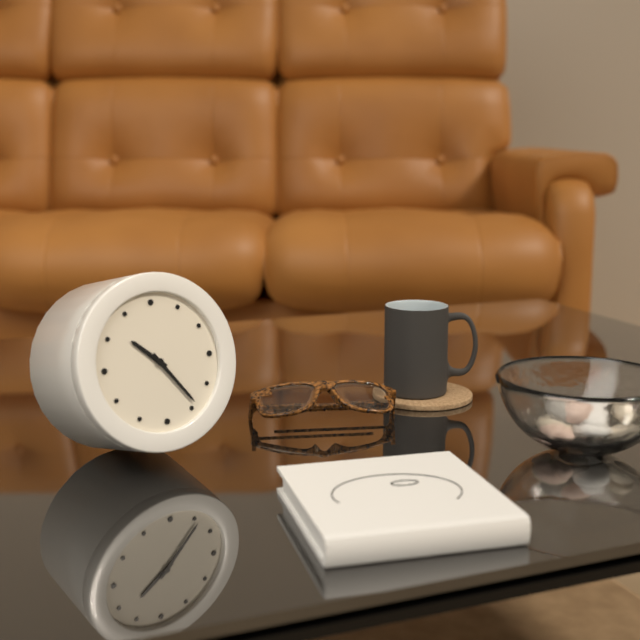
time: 10:24
